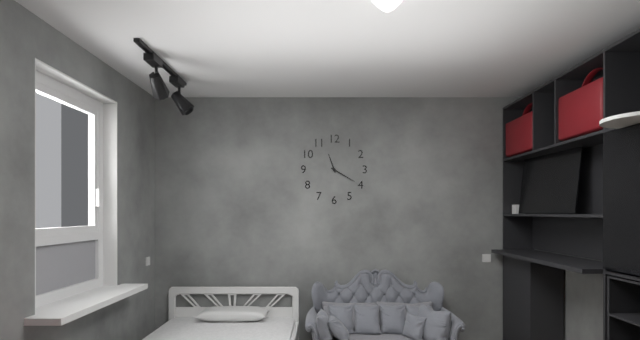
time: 11:20
